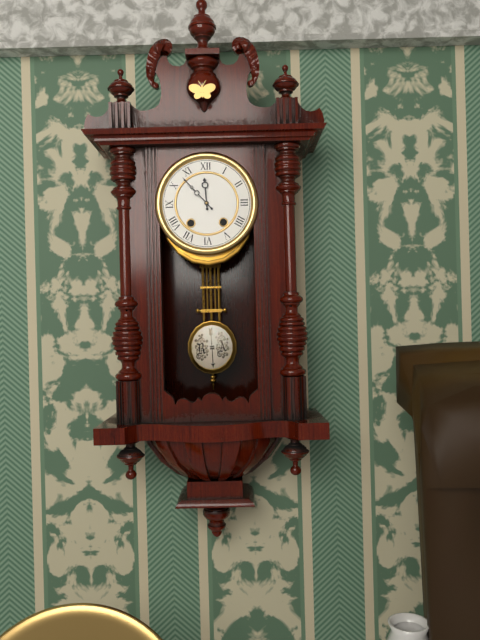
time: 11:53
